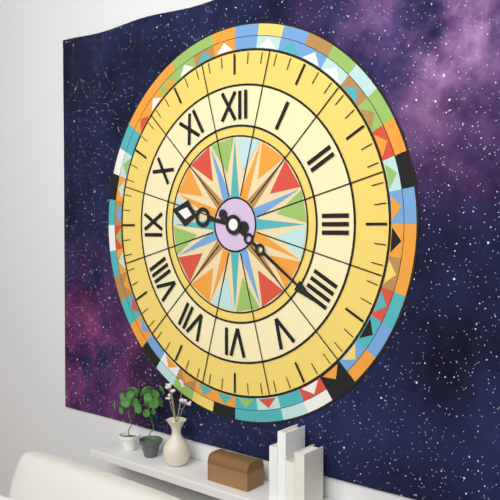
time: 9:21
